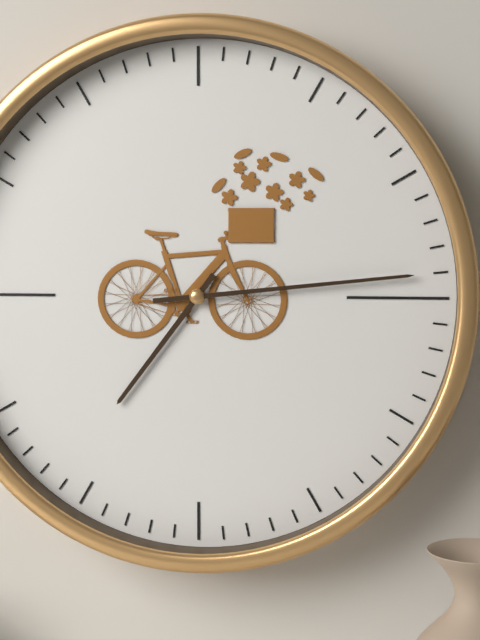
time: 7:14
